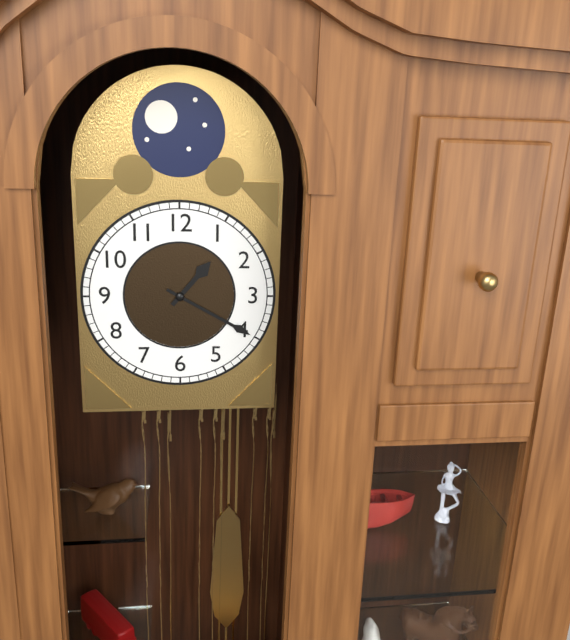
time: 1:20
